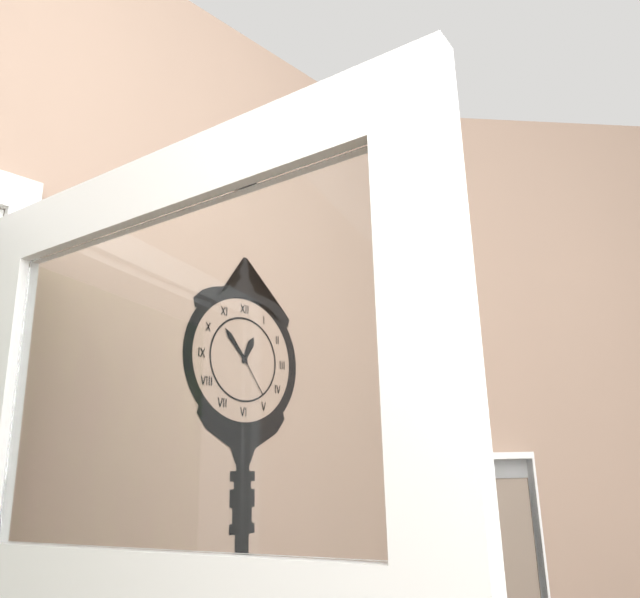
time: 12:53:24
